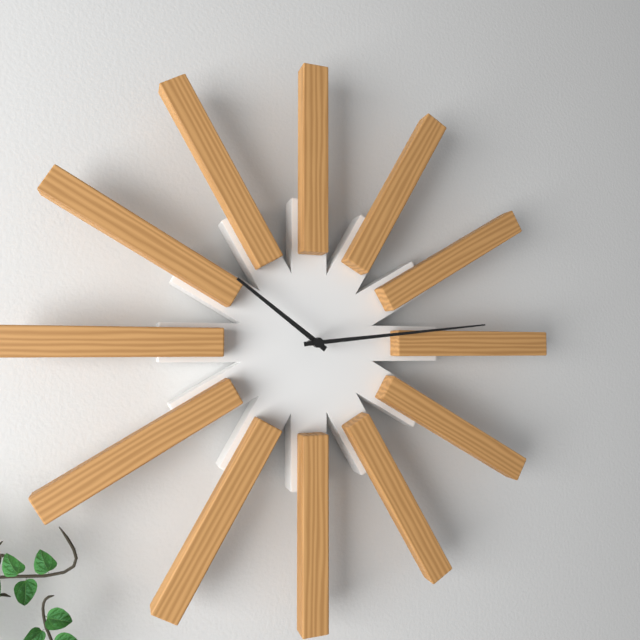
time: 10:14
